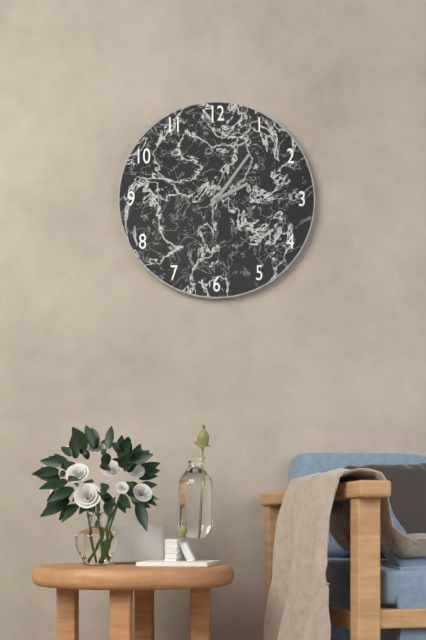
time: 2:06
